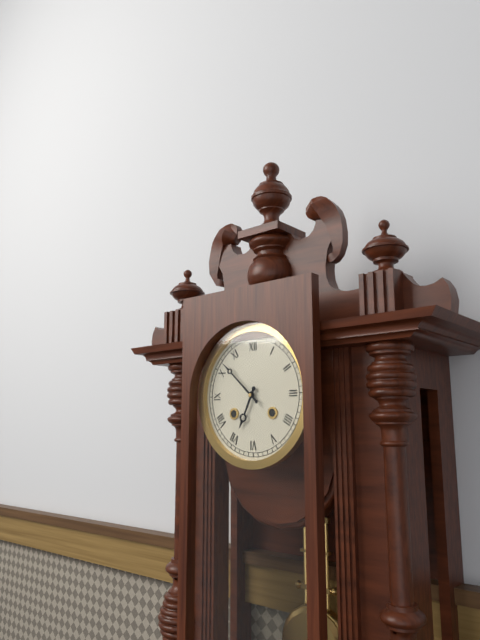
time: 6:52
